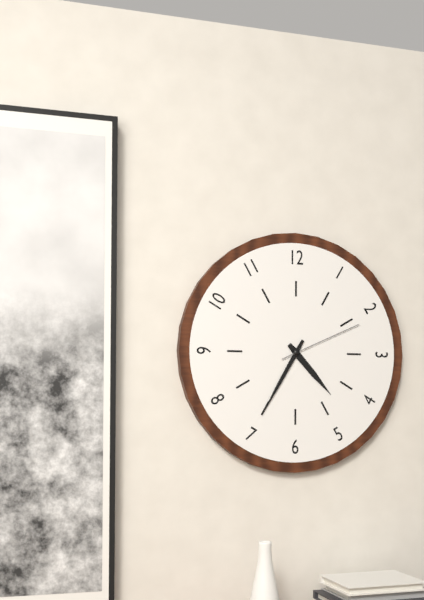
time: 4:35:11
